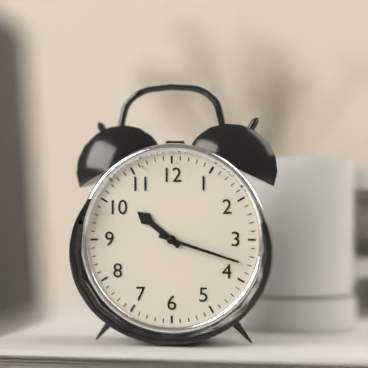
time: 10:18
